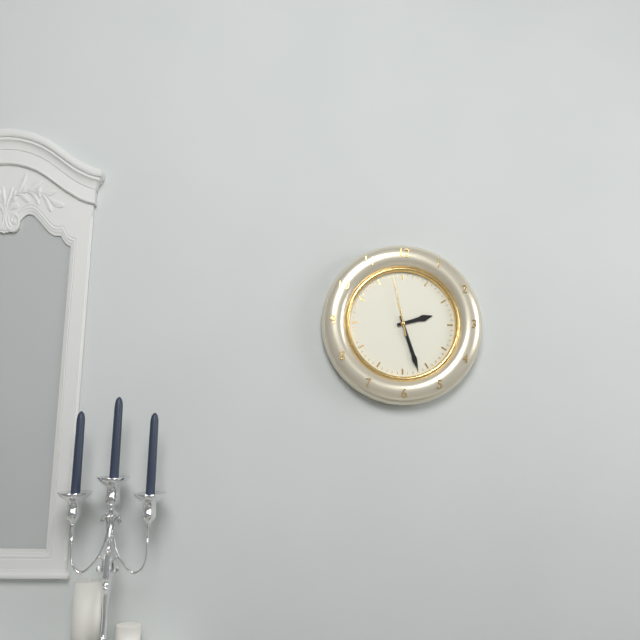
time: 2:27:58
